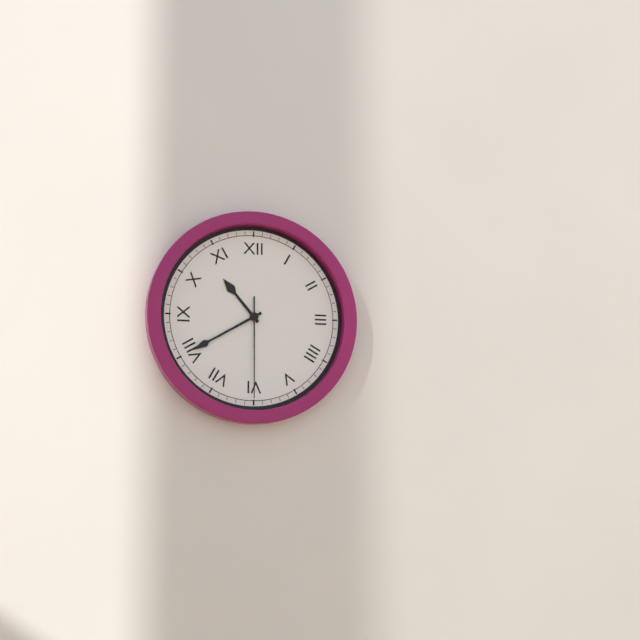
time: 10:40:30
